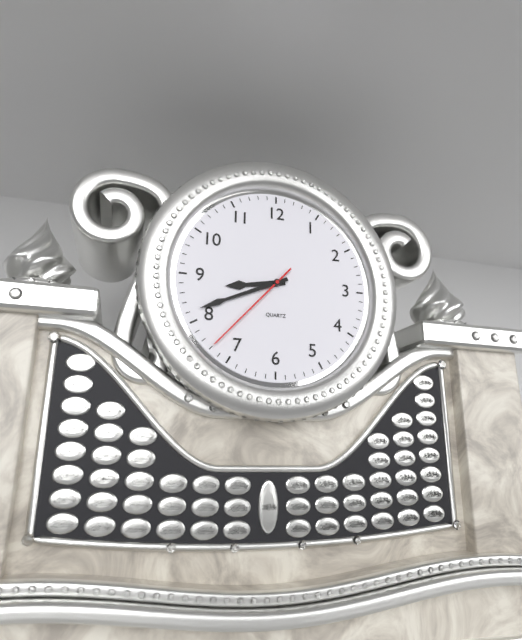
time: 8:41:37
